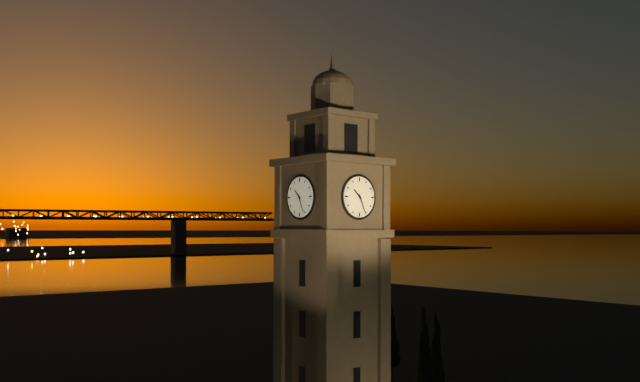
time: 10:26
